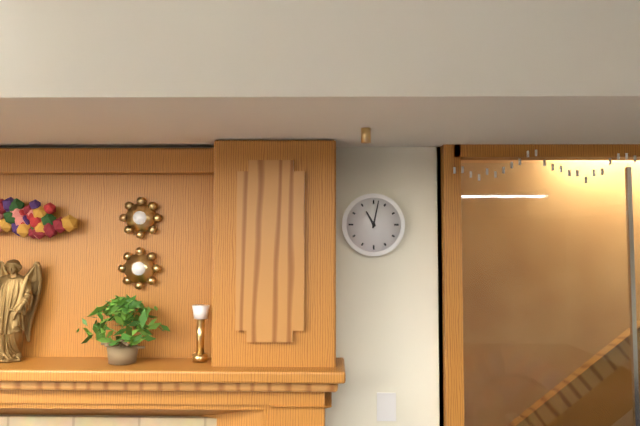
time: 11:02
